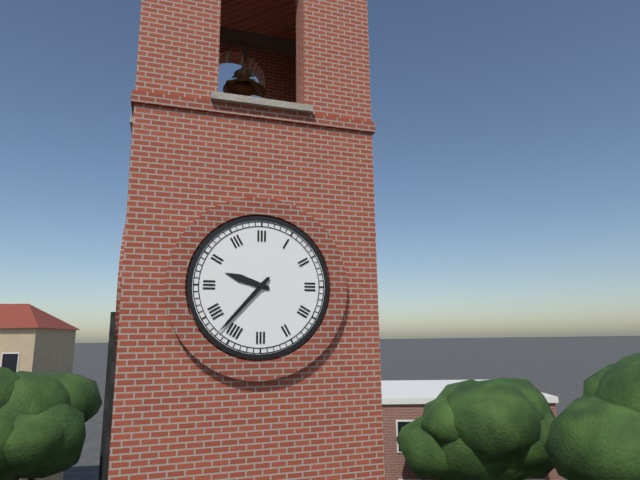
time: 9:37
